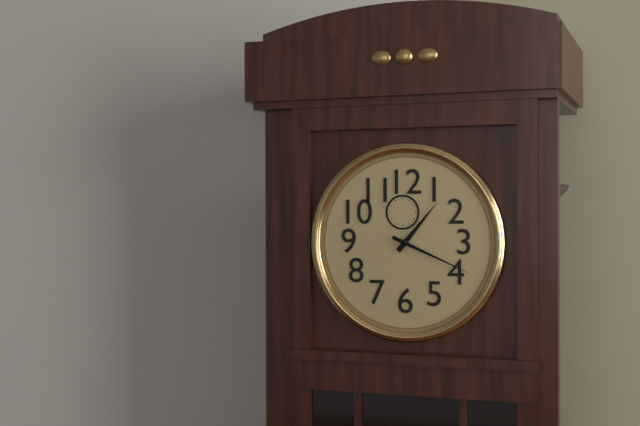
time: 1:19
